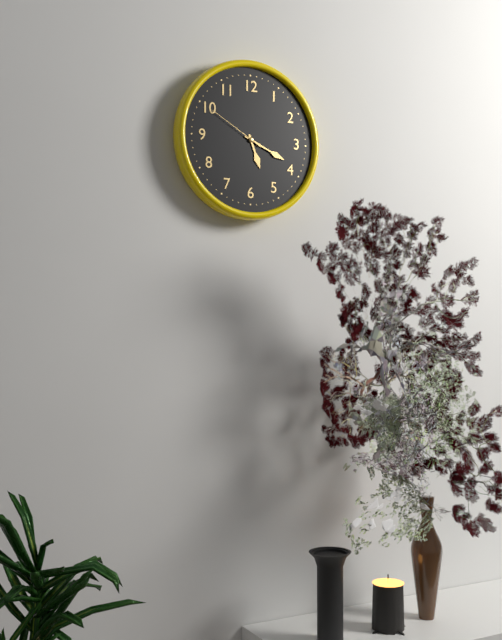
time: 5:19:50
